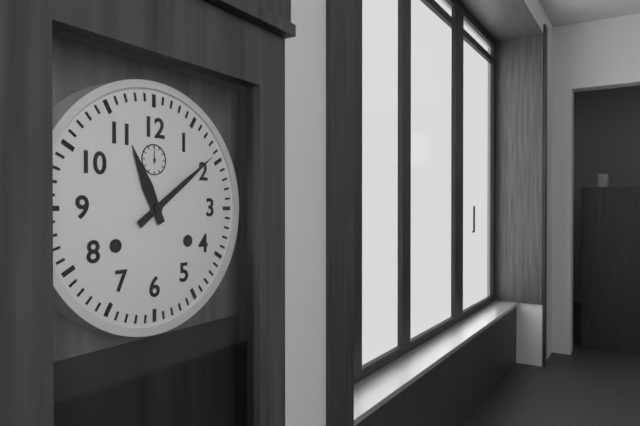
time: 11:09
